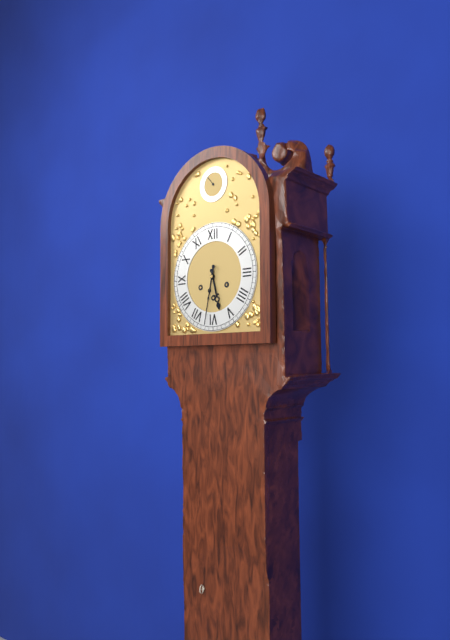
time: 5:32
